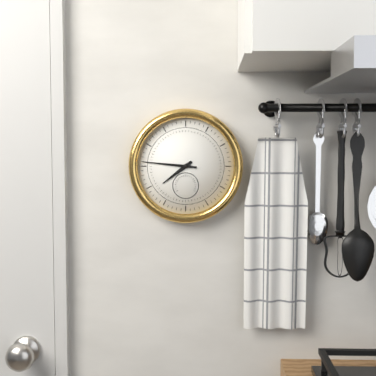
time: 7:46
